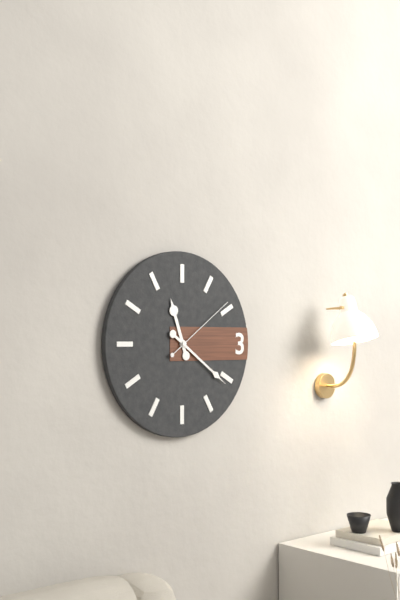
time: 11:21:09
